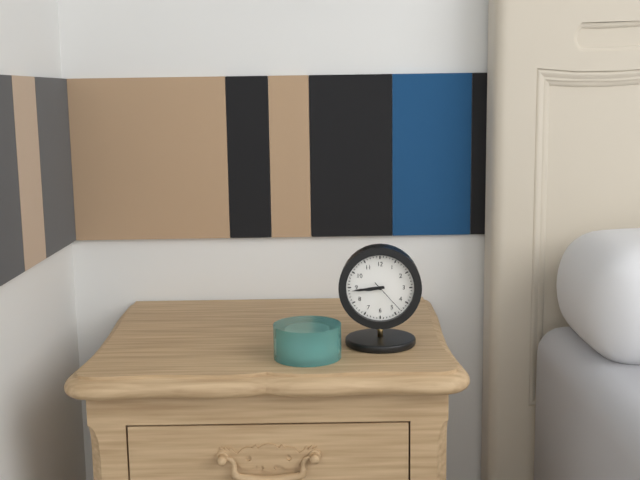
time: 8:44
